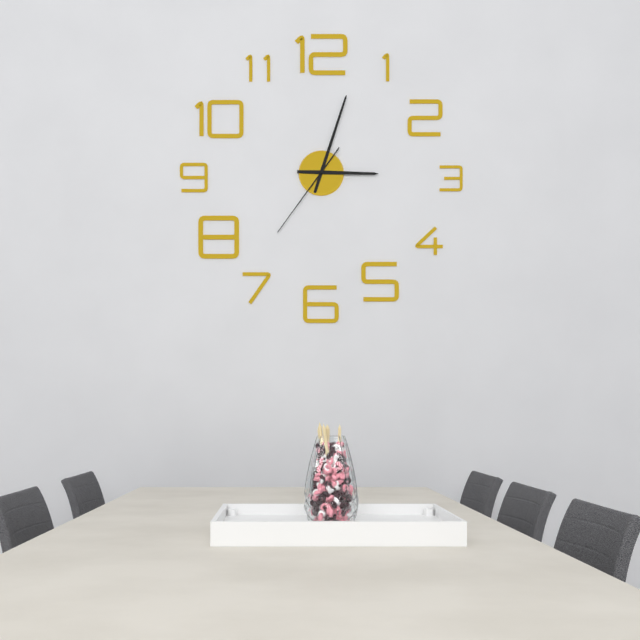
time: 3:03:36
